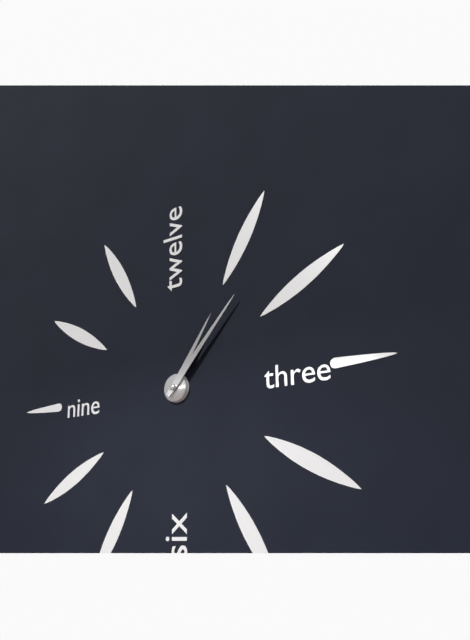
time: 1:07
